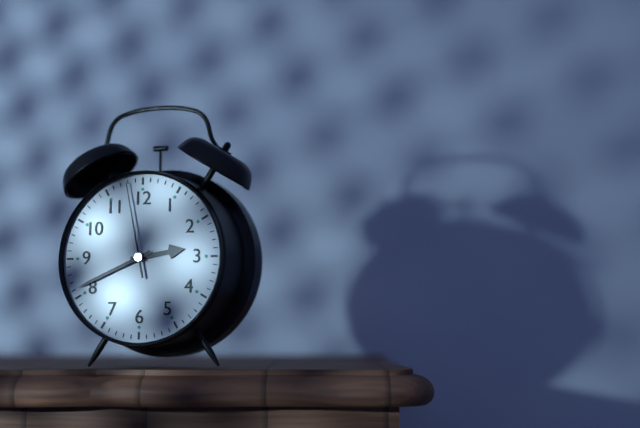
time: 2:41:58
